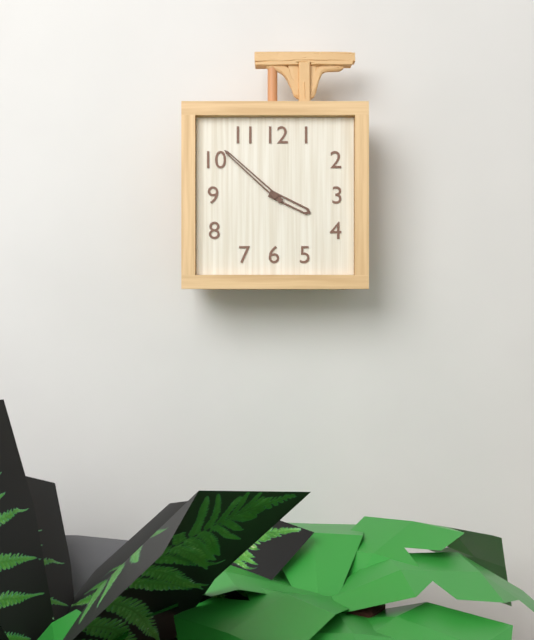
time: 3:52
